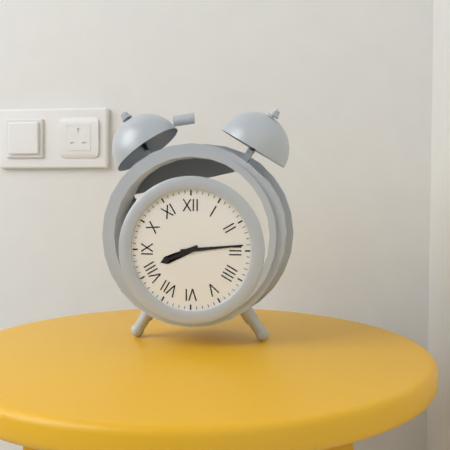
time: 8:14
